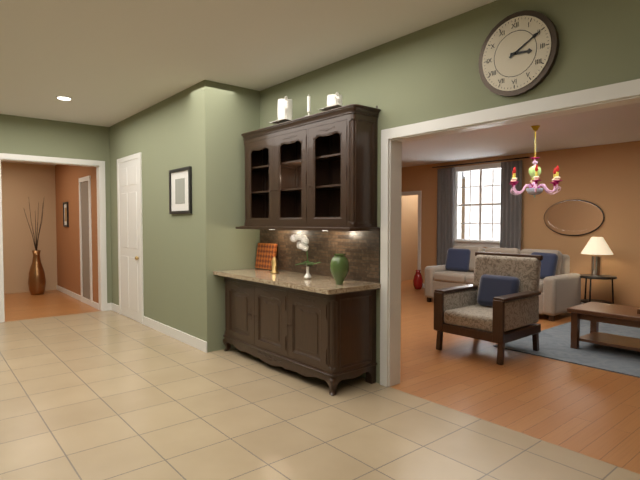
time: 3:10
